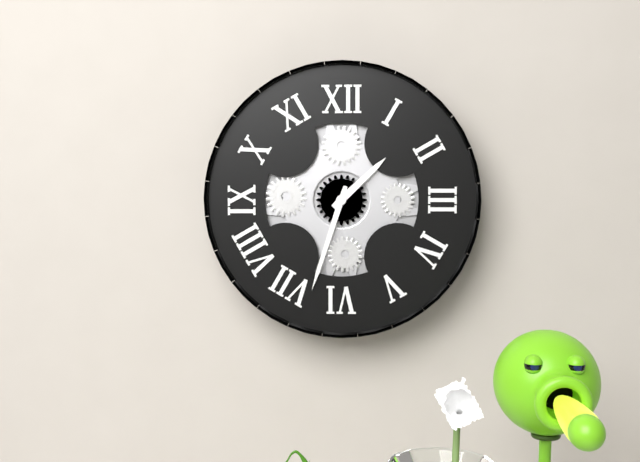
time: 1:33
